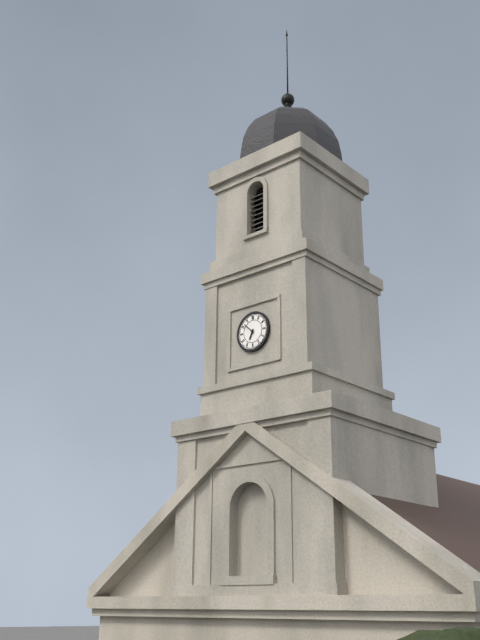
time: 6:52
